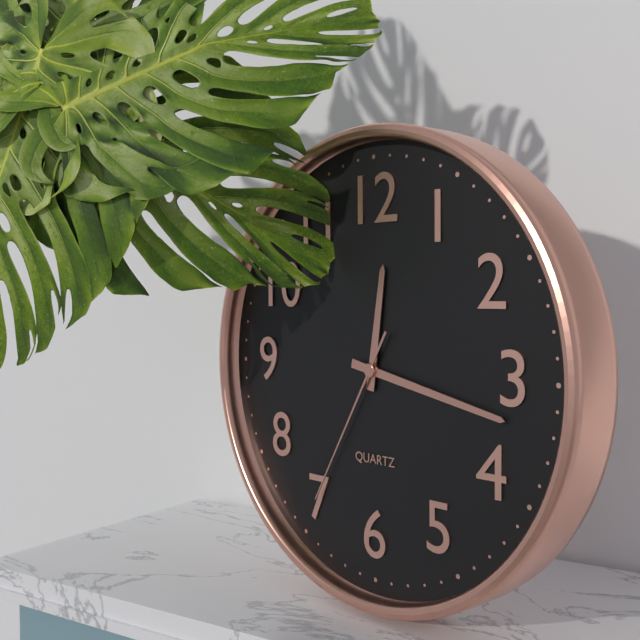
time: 12:17:35
